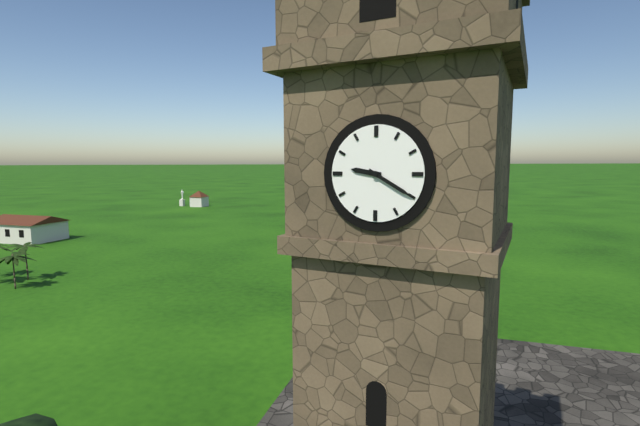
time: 9:20
